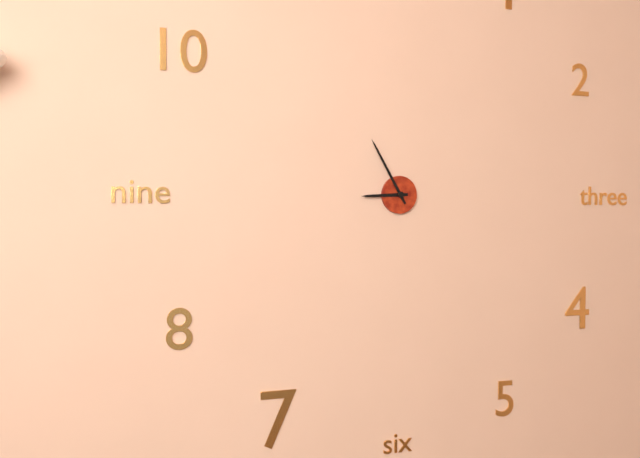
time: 8:55
